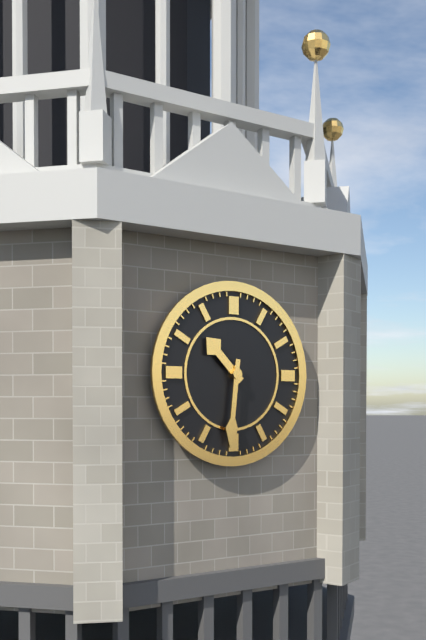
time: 10:31
